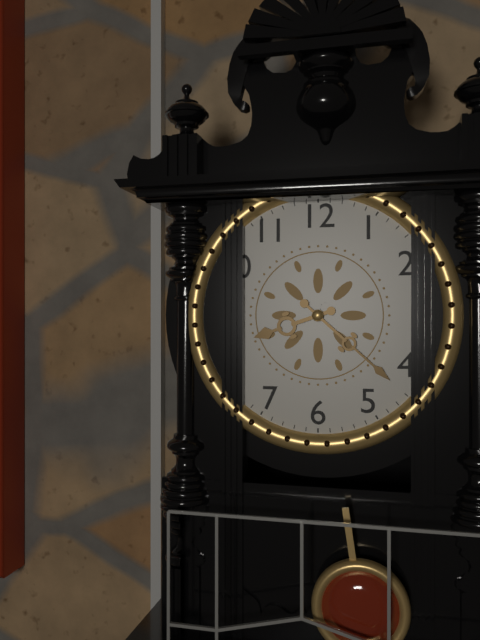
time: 8:22
